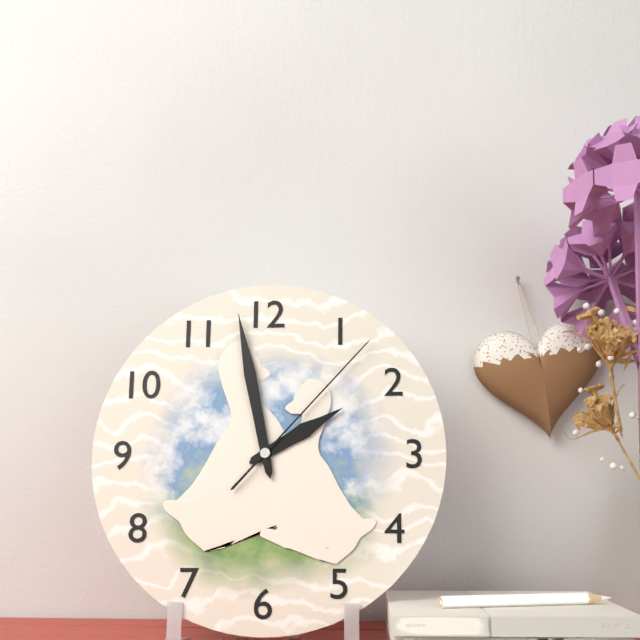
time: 1:58:07
